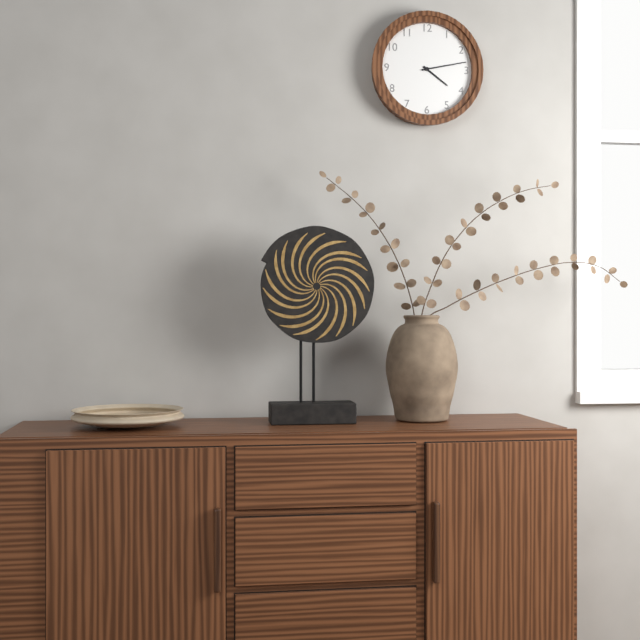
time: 4:13
